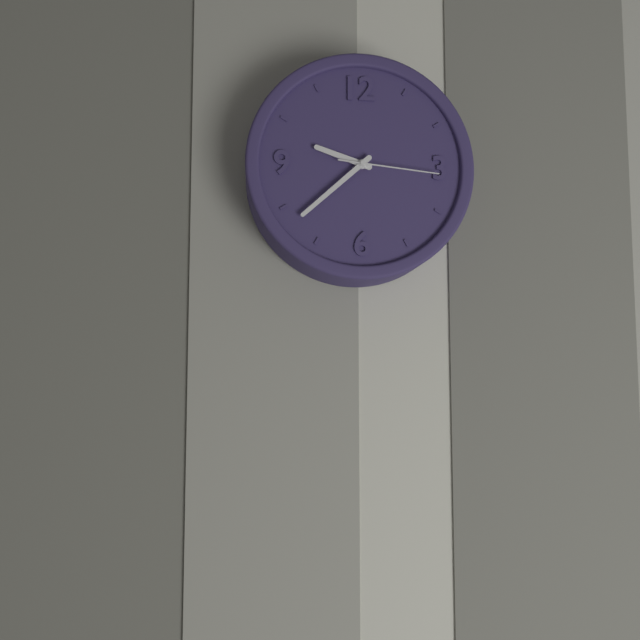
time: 9:38:16
